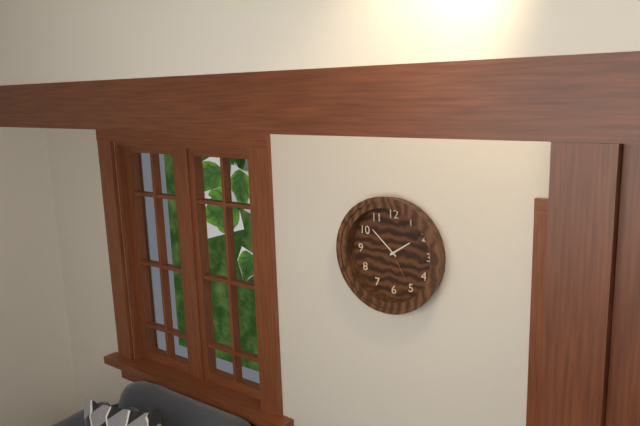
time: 1:52
